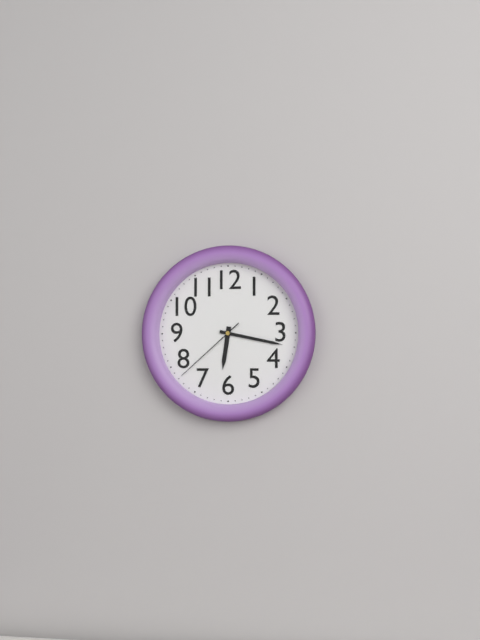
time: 6:17:38
